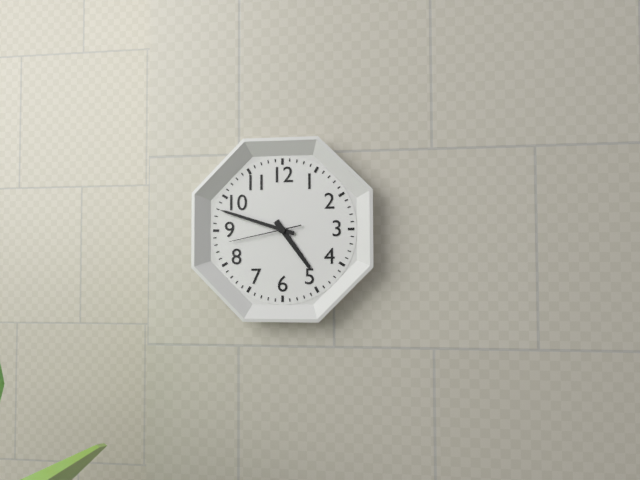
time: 4:48:43
